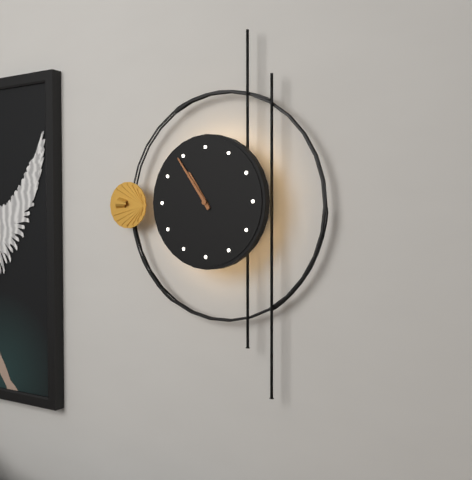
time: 10:54
